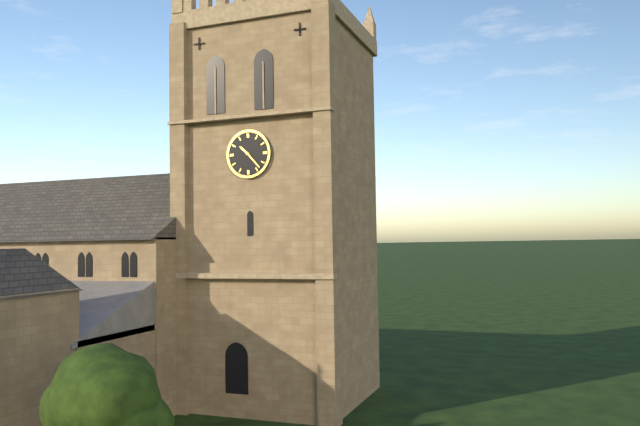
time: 10:23
